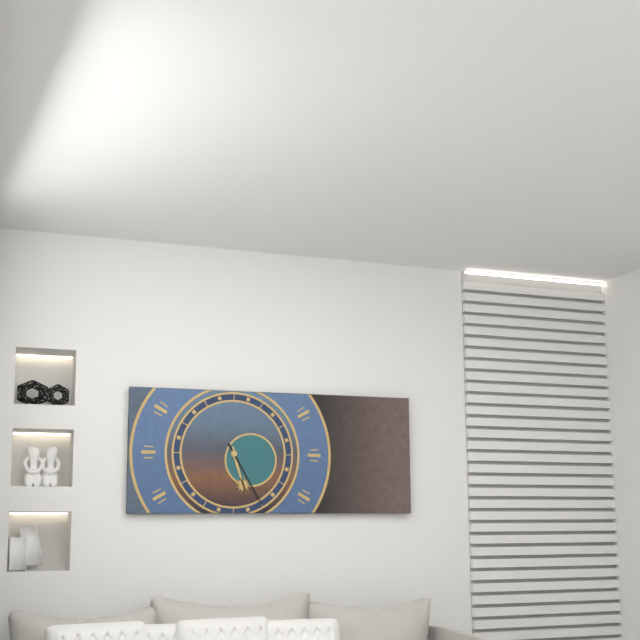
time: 5:25
